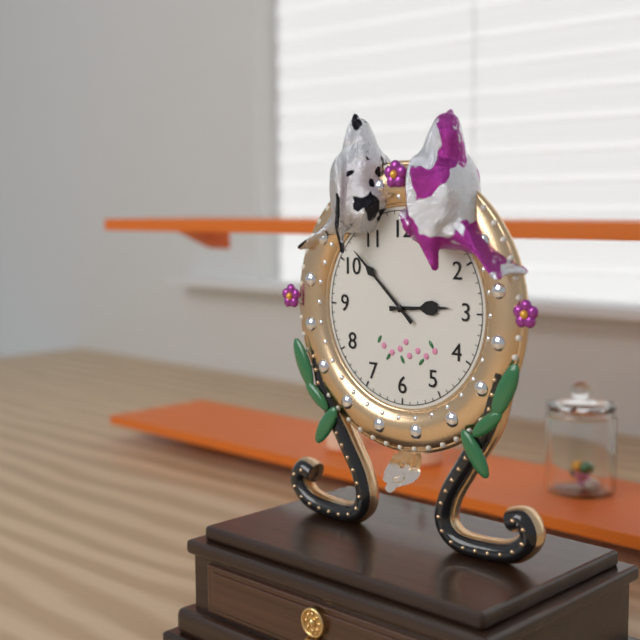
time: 2:52
